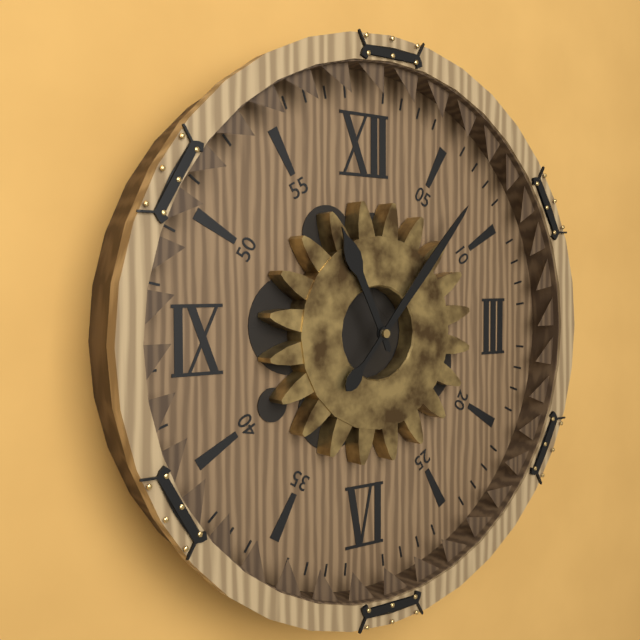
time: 11:07
